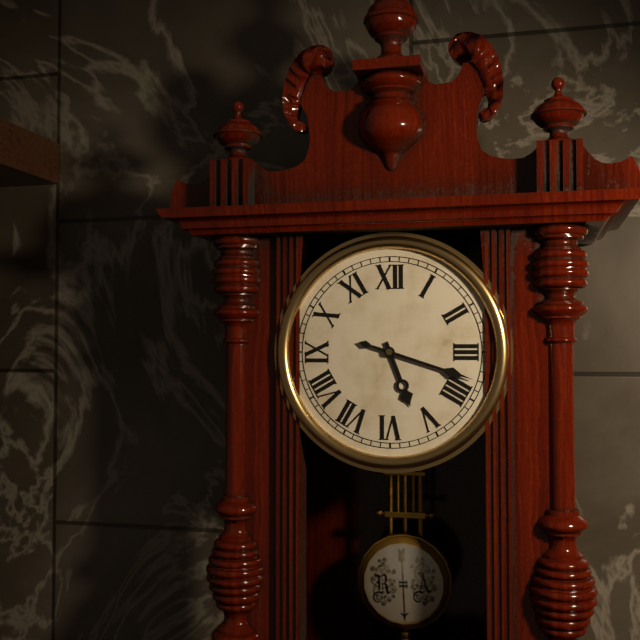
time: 5:18
